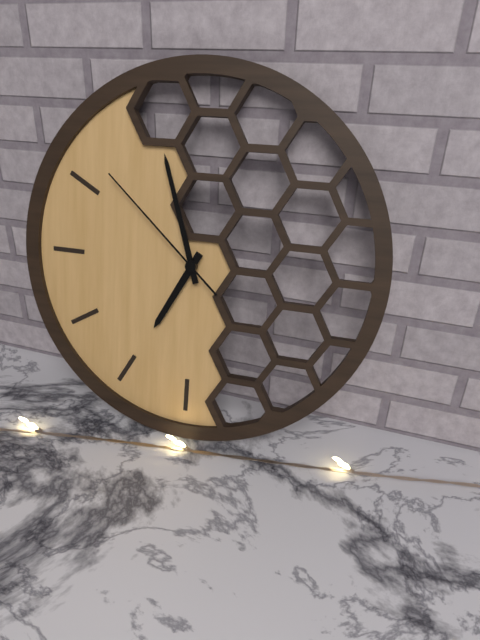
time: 6:57:52
